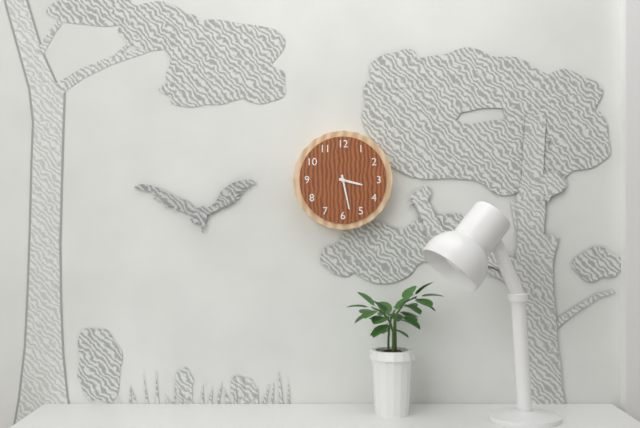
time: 3:28
